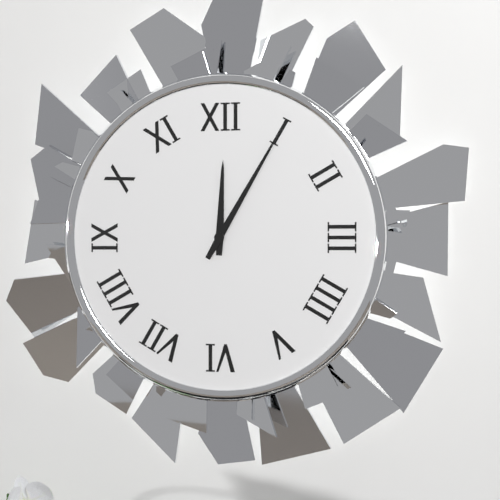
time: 12:05
